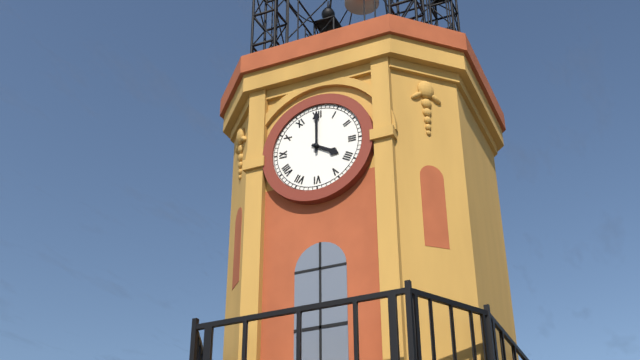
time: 4:00
